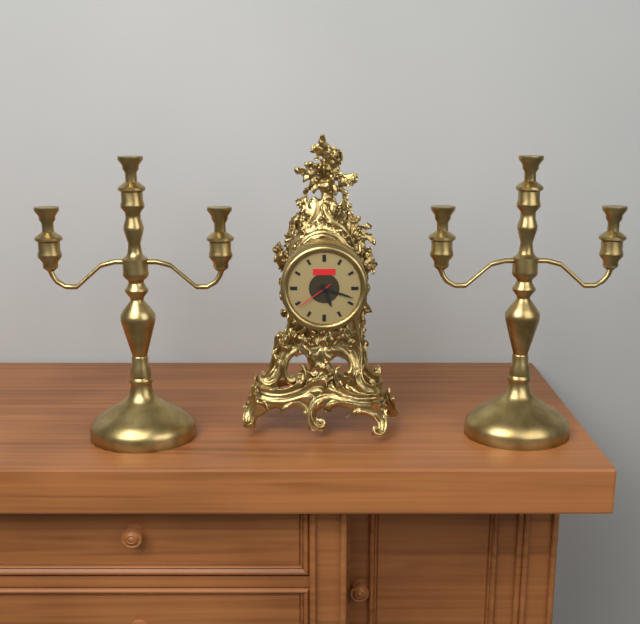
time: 5:18
